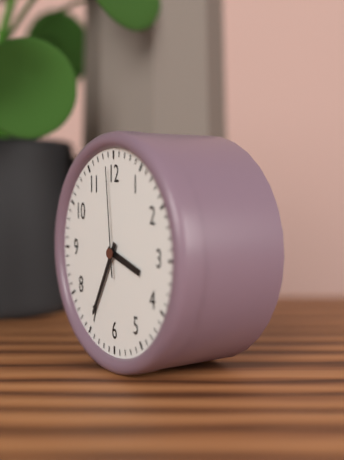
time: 3:35:59
